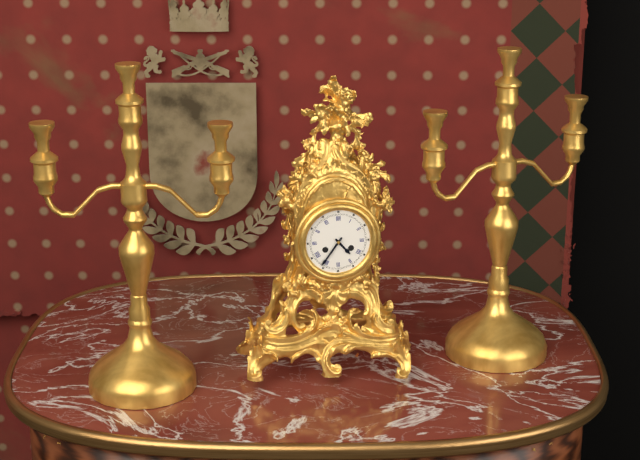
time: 4:36
